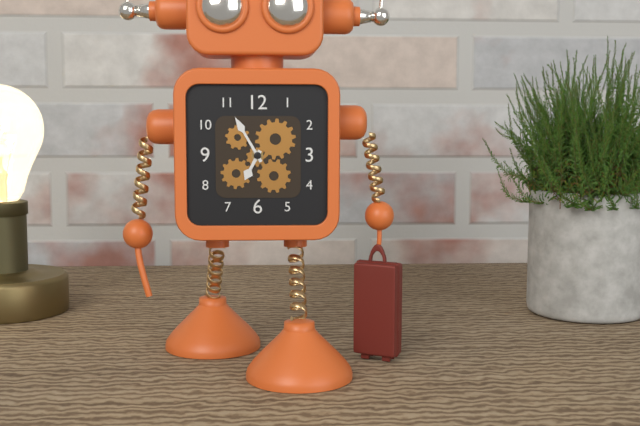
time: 6:55
